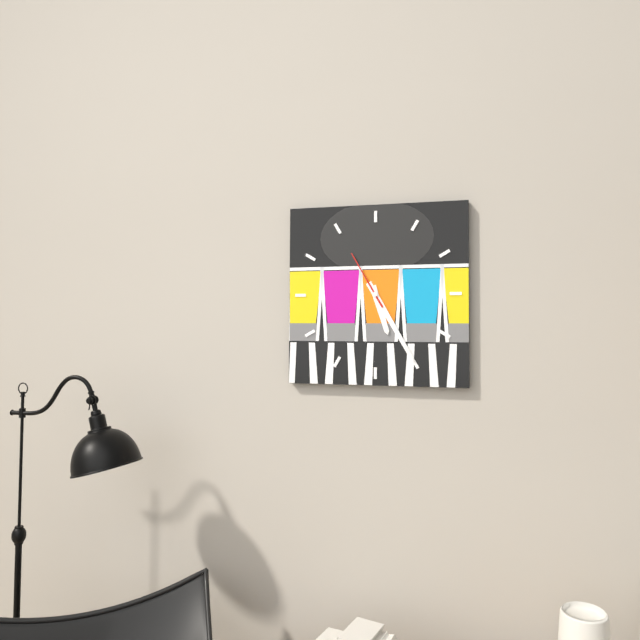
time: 5:25:55
